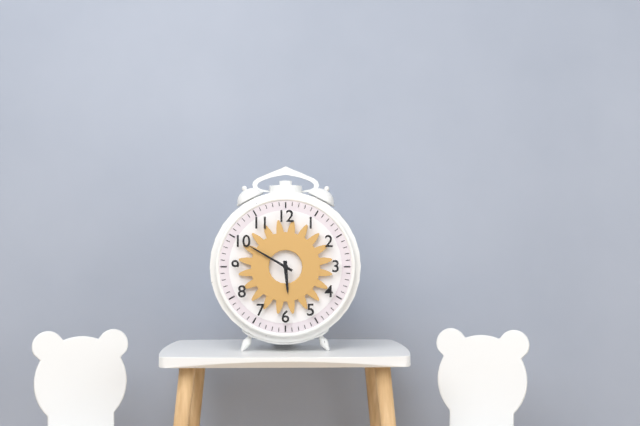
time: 5:50
